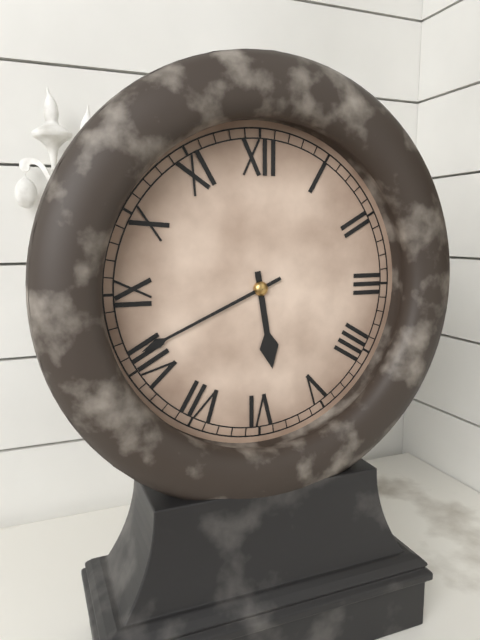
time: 5:41
